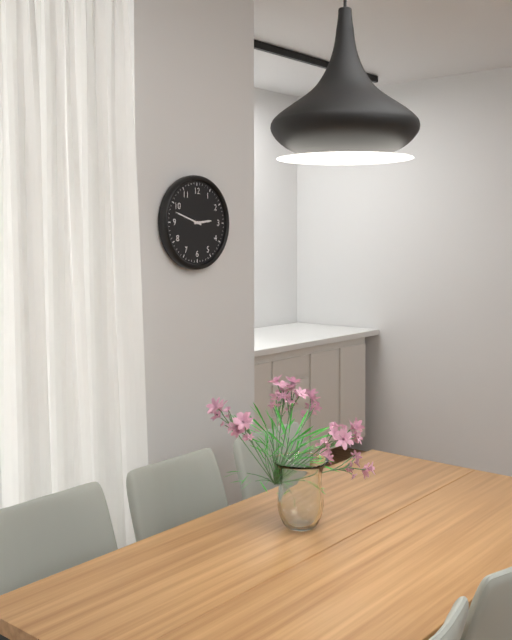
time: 2:48
